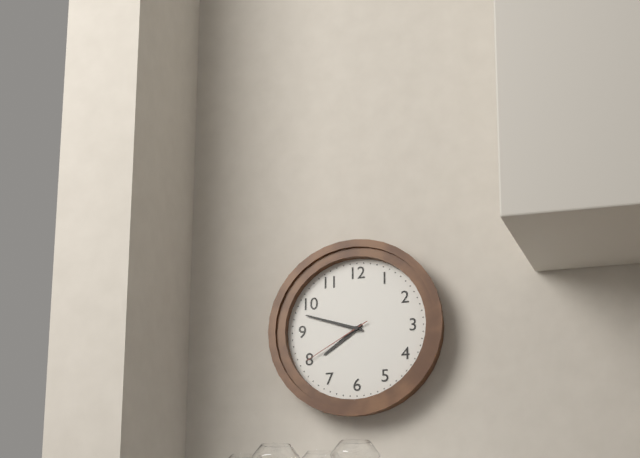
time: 7:48:40
